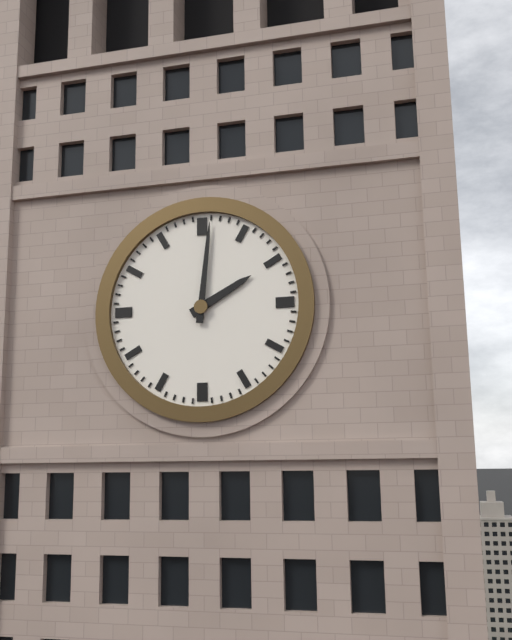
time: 2:01
